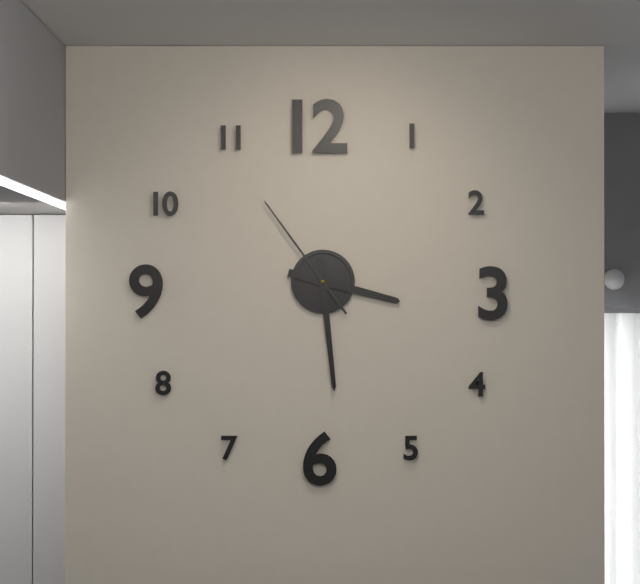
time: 3:29:54
